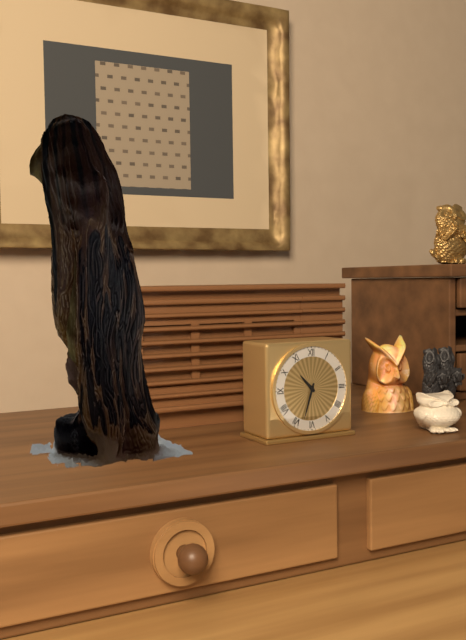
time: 10:33
